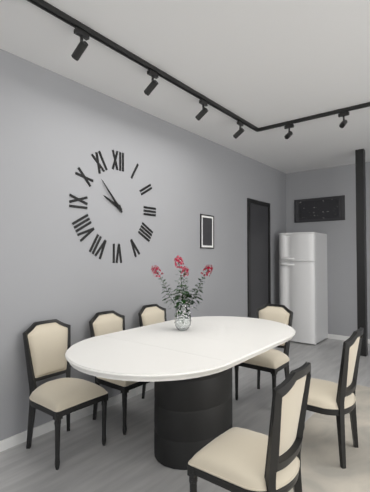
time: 9:53
